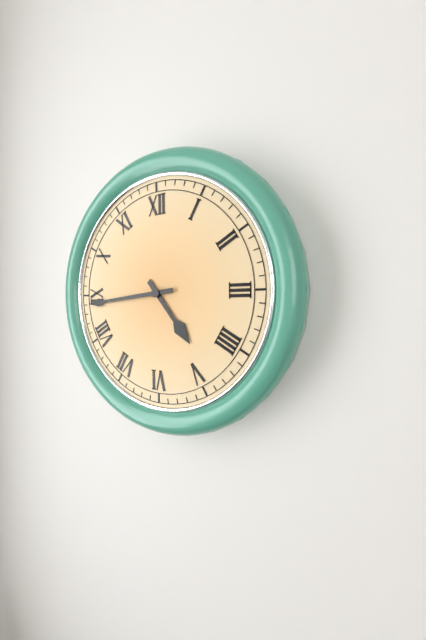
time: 4:44
